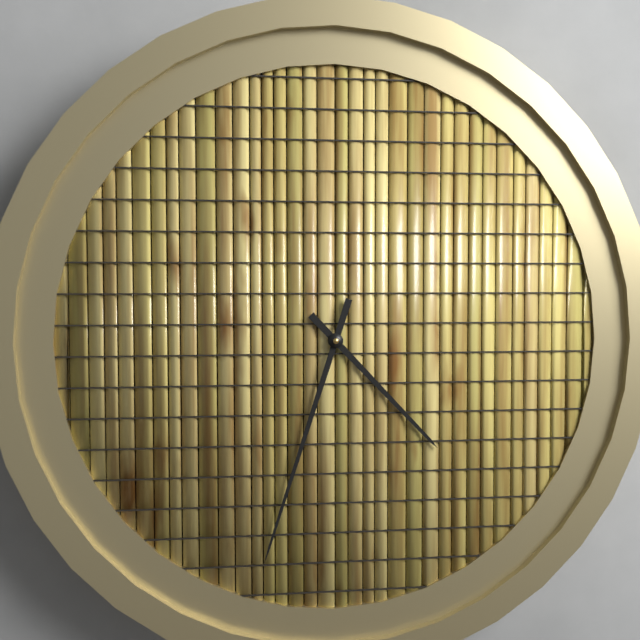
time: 4:33
